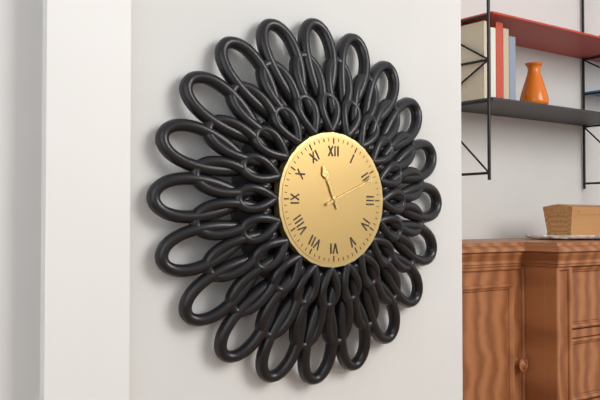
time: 11:11
